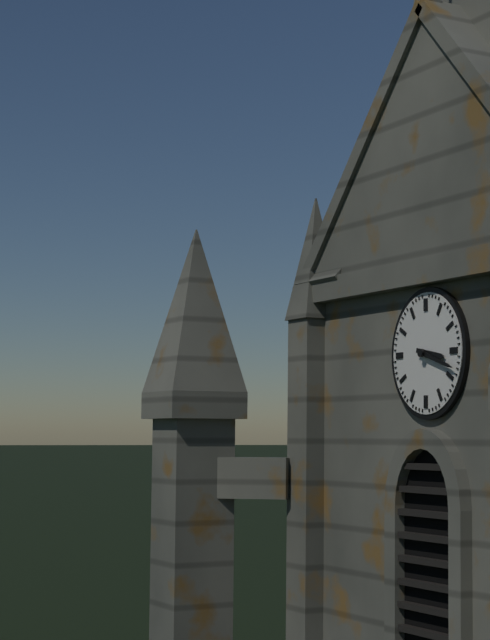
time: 3:18
